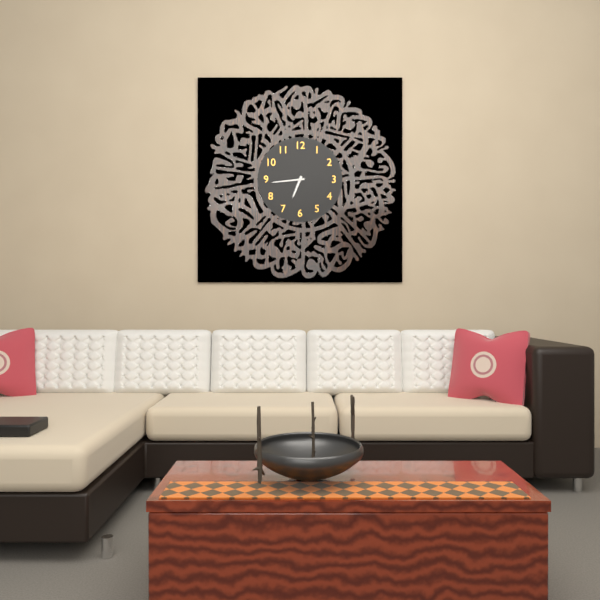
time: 6:44
